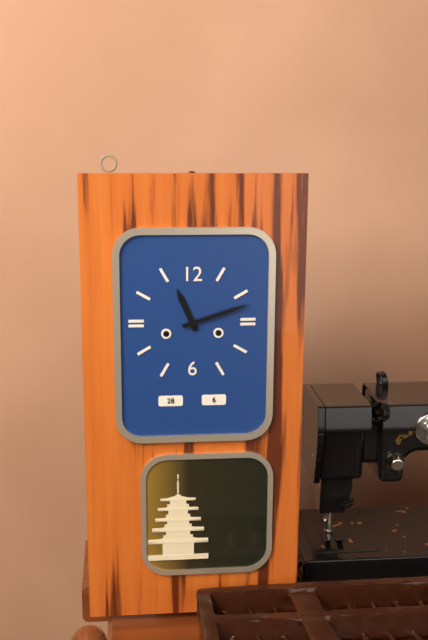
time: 11:12
